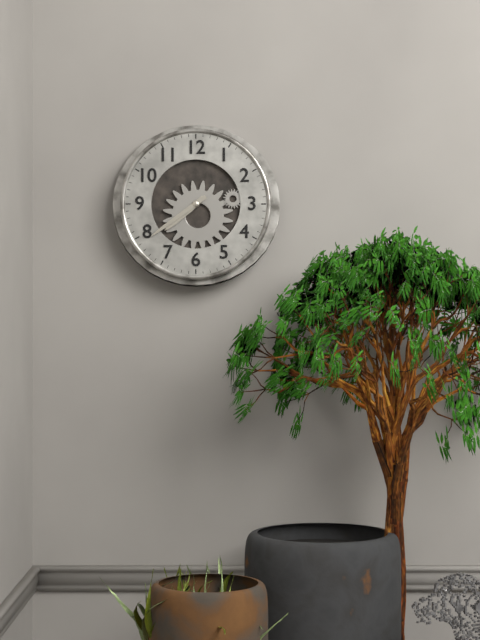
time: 7:39
